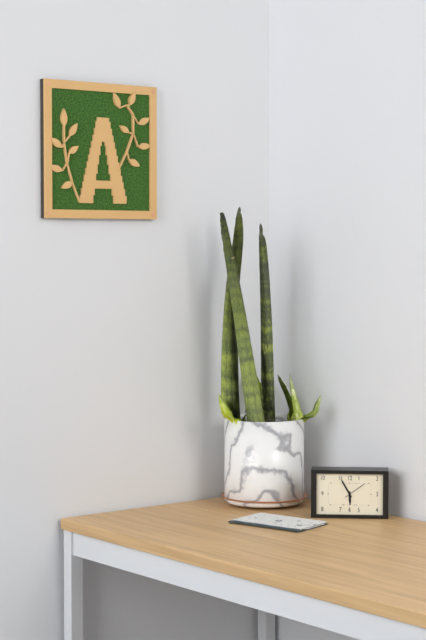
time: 5:55
